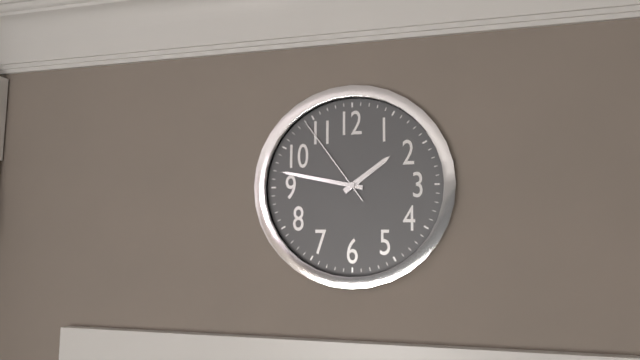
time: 1:47:54
